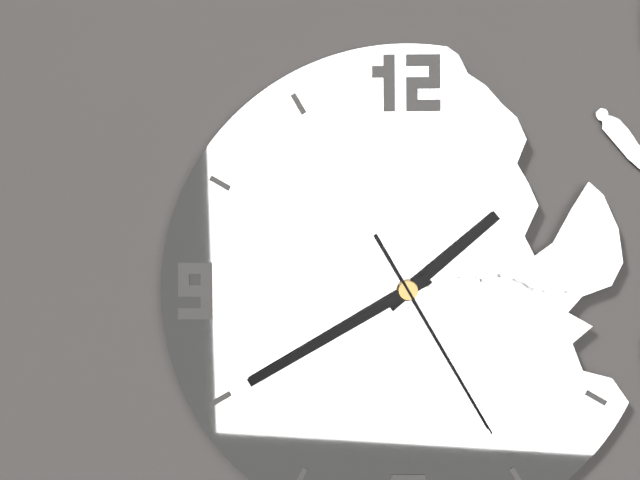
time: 1:40:25
